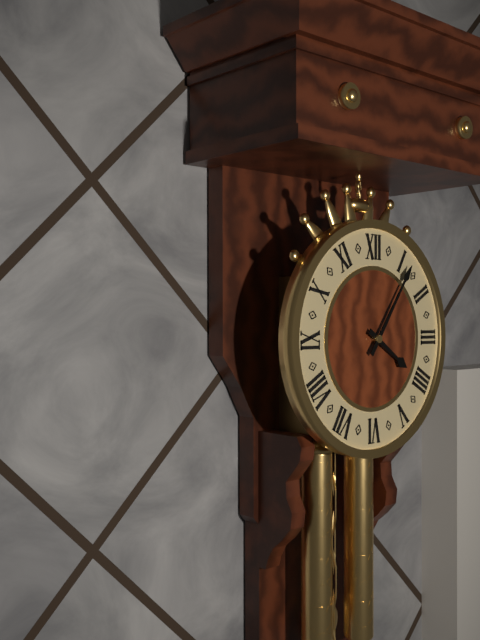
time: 4:06
